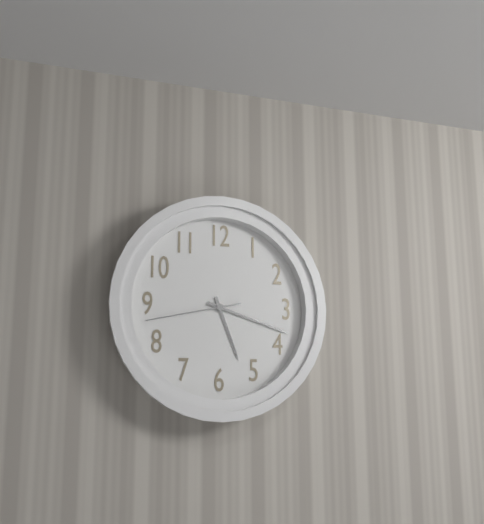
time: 5:18:43
